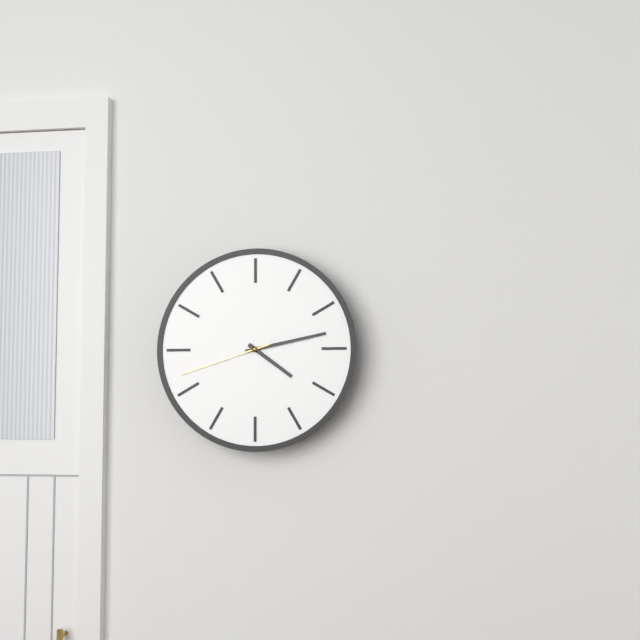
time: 4:13:42
